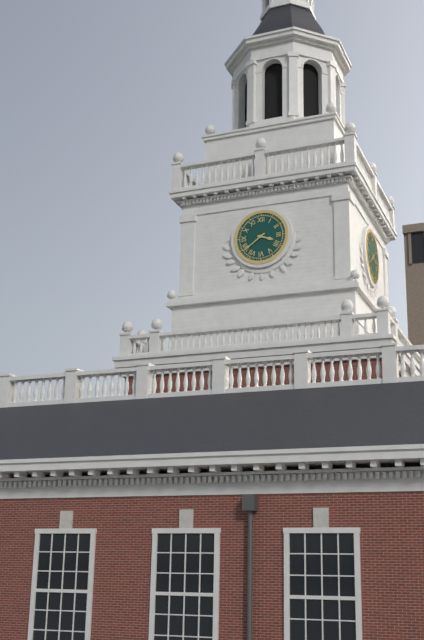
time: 3:39
